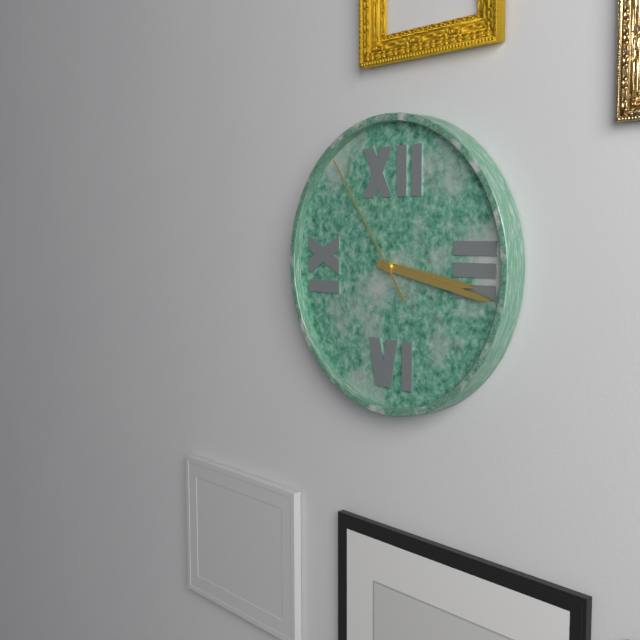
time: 3:17:54
